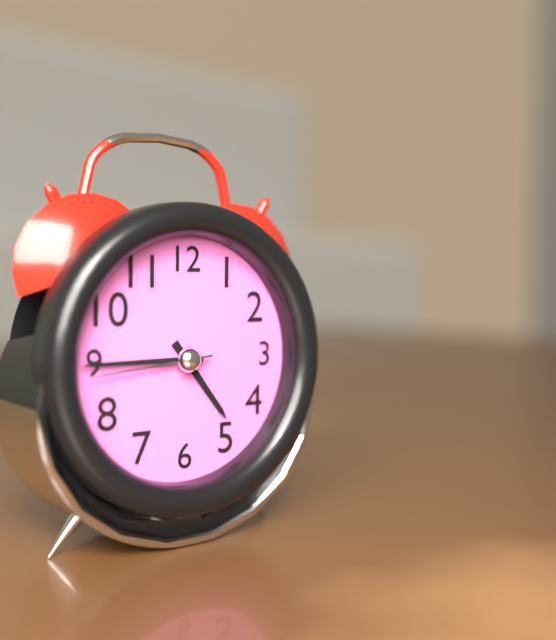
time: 4:45:44
